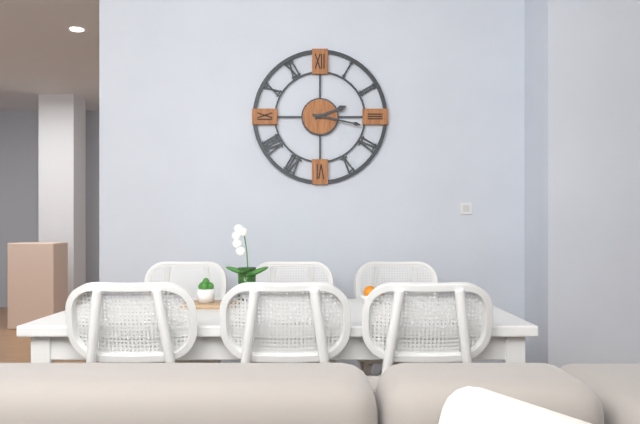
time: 2:17
